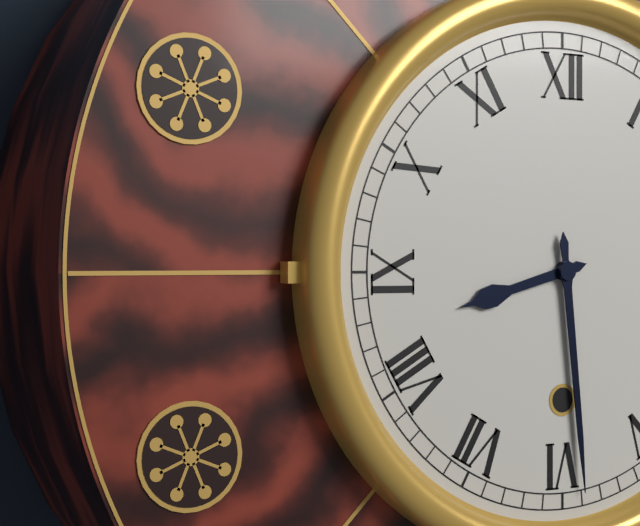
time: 8:29
